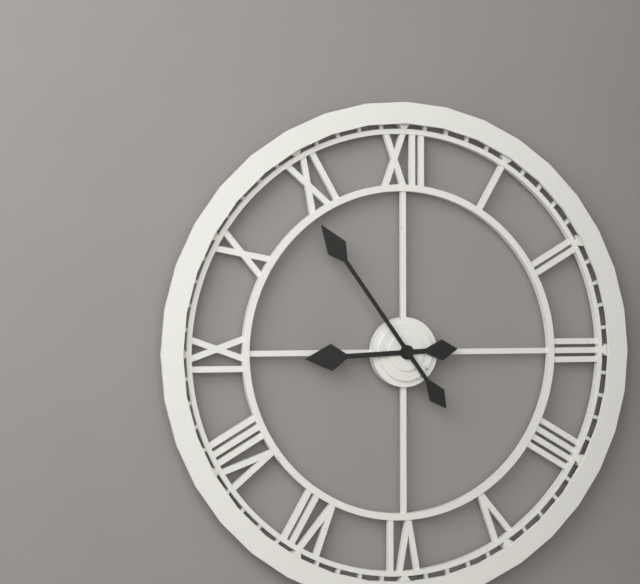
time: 8:54
